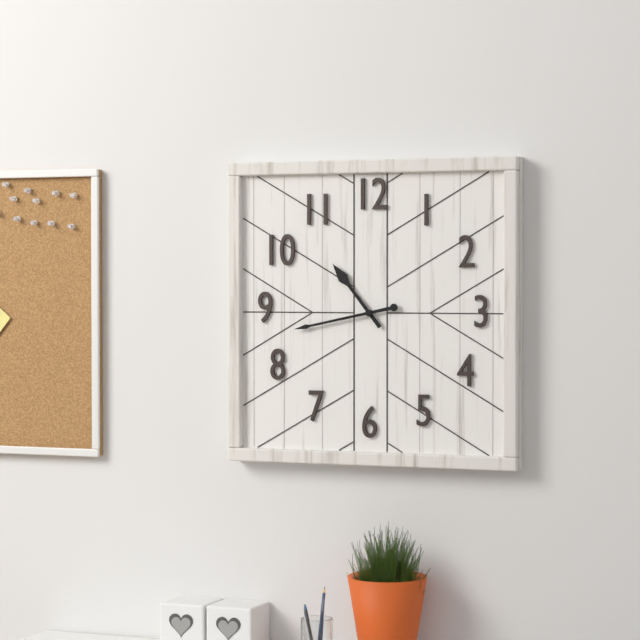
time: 10:43
